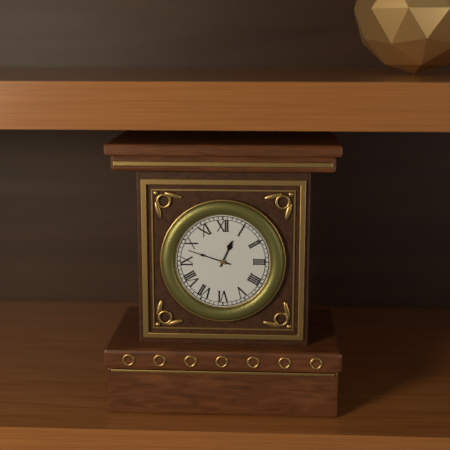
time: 12:48
